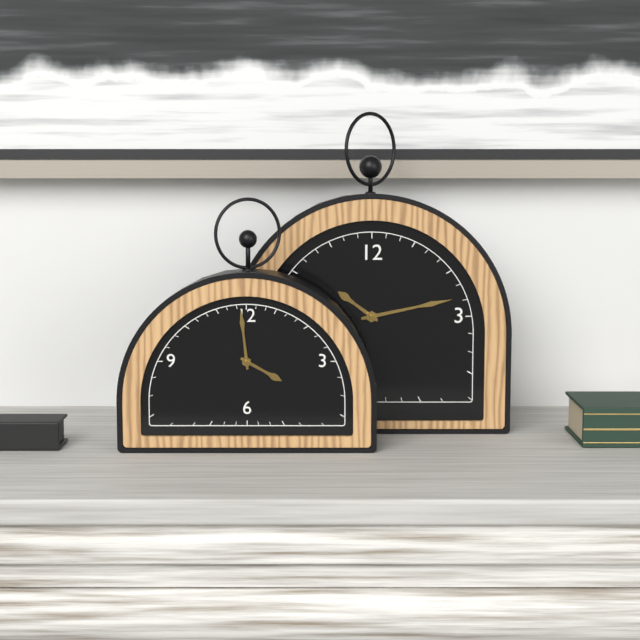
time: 3:59
